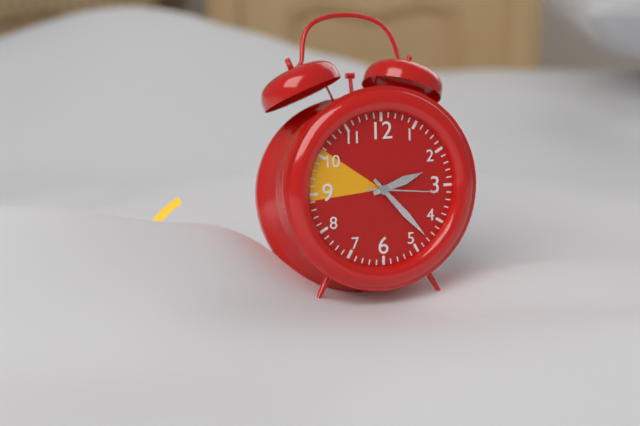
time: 2:23:16
